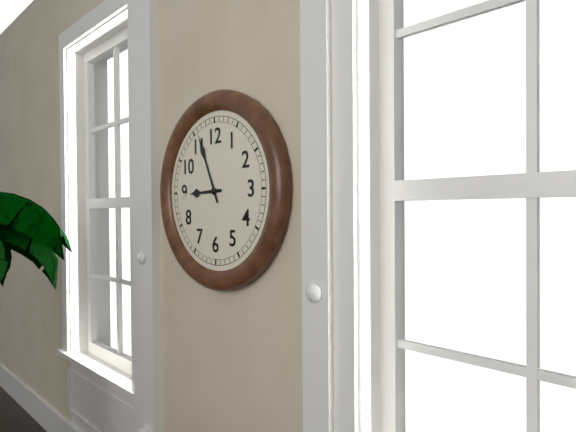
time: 8:56
